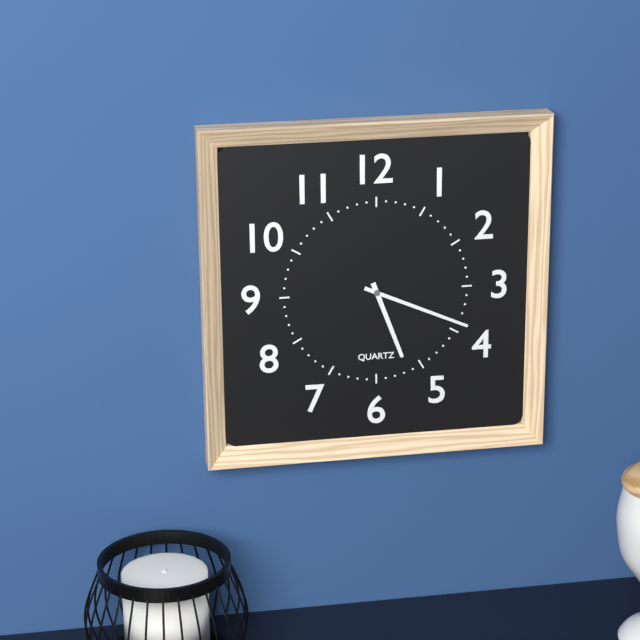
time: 5:19
